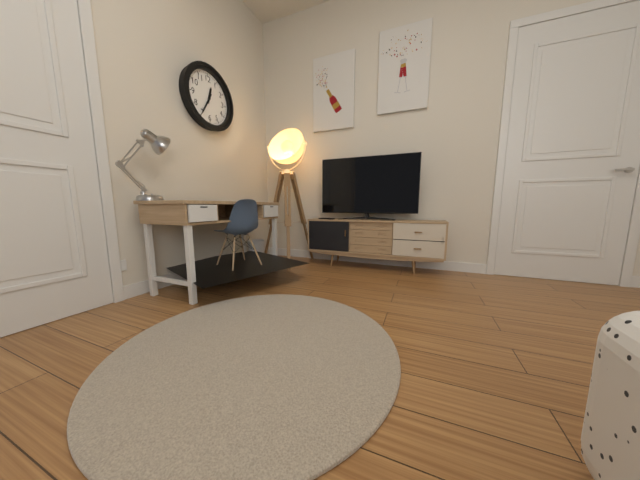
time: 12:35
